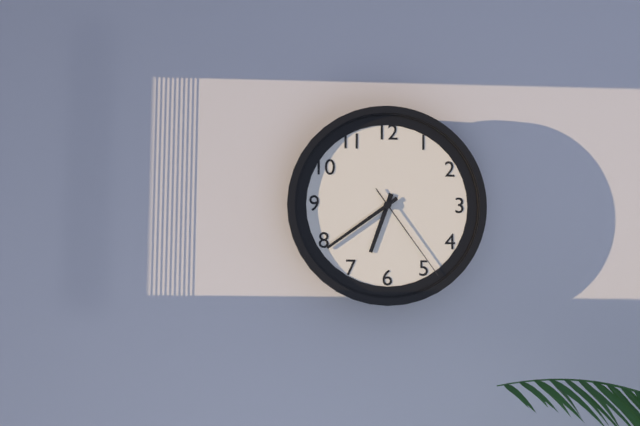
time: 6:39:24
